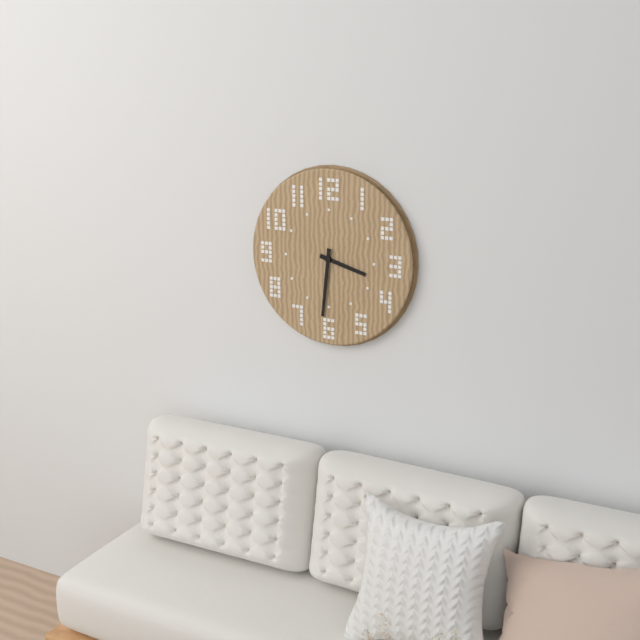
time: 3:31
